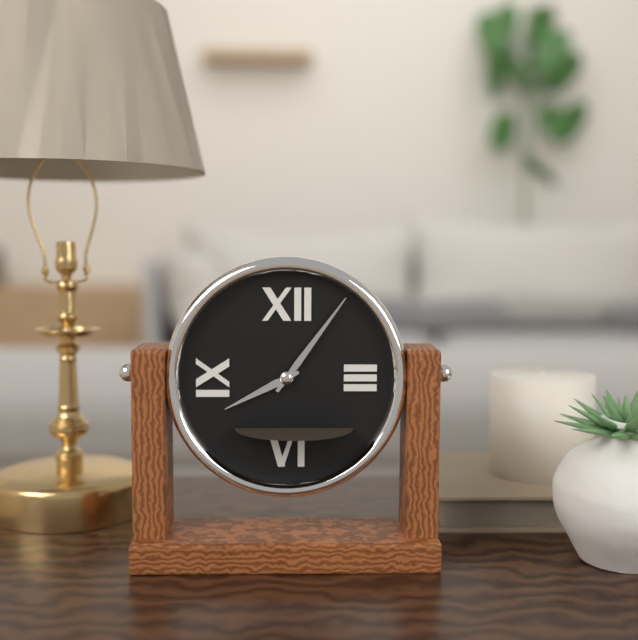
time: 8:06
